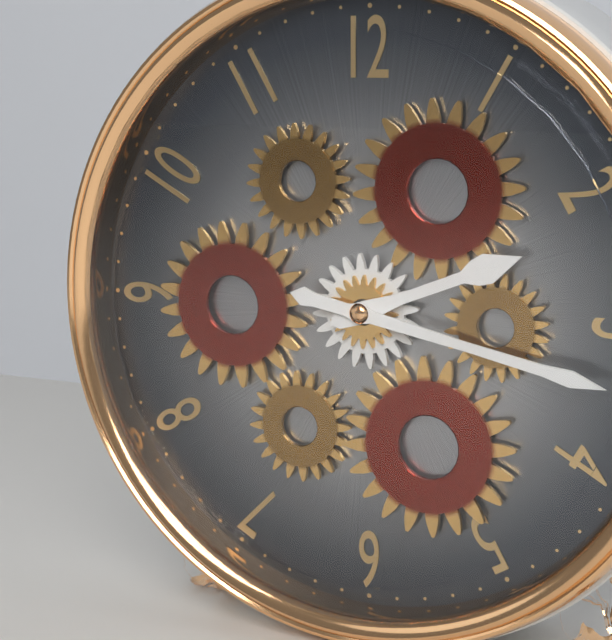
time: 2:17
